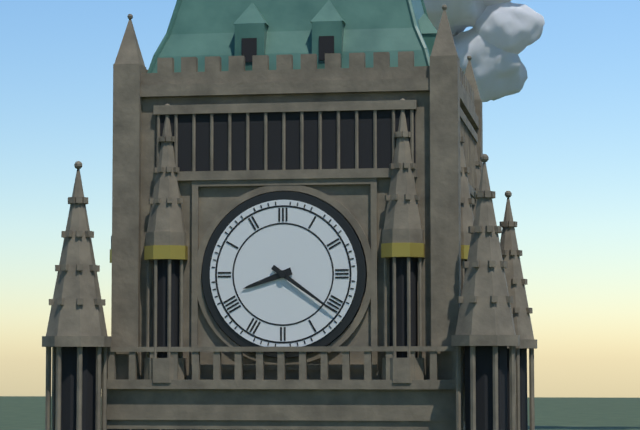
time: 8:21
